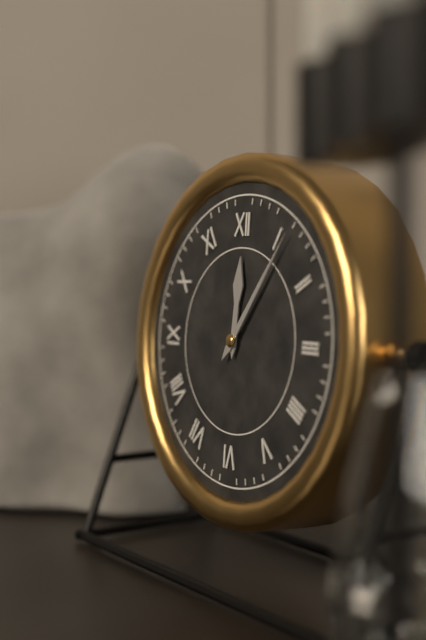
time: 12:06
